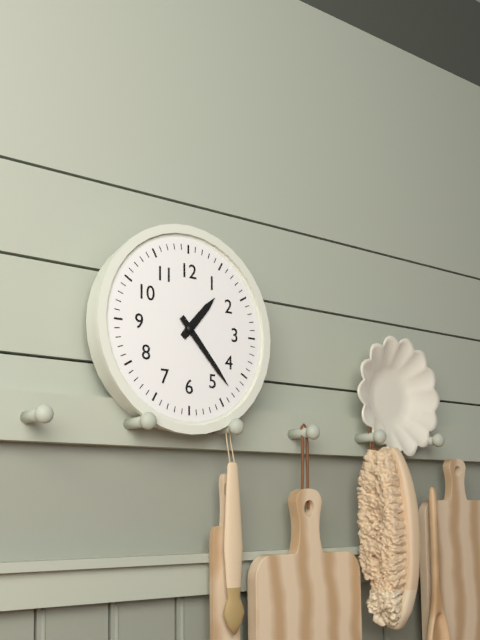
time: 1:23
